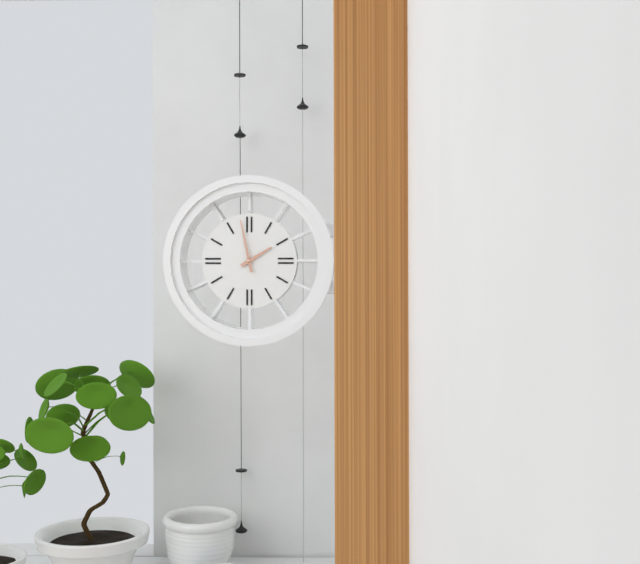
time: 1:58
